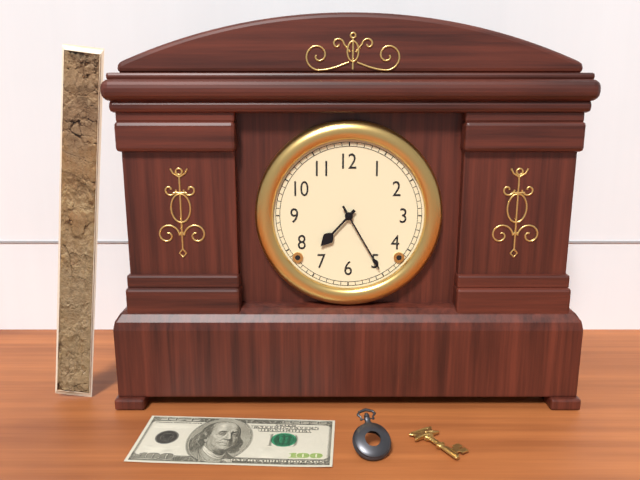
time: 7:25
